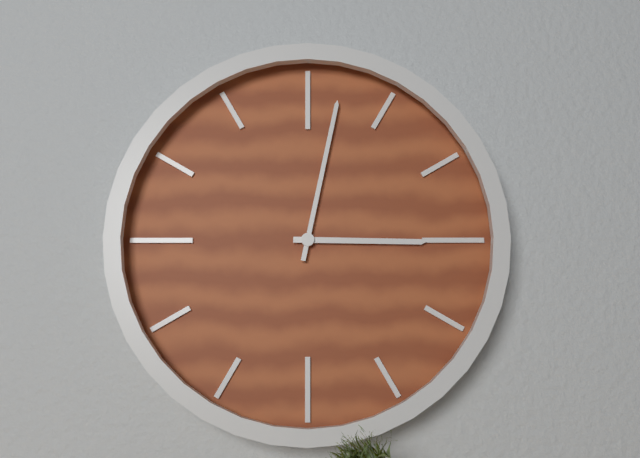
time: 3:02
